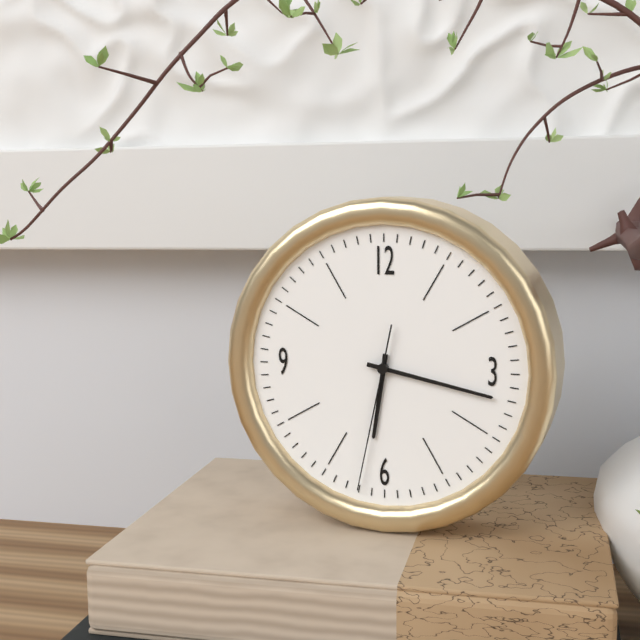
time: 6:17:32
